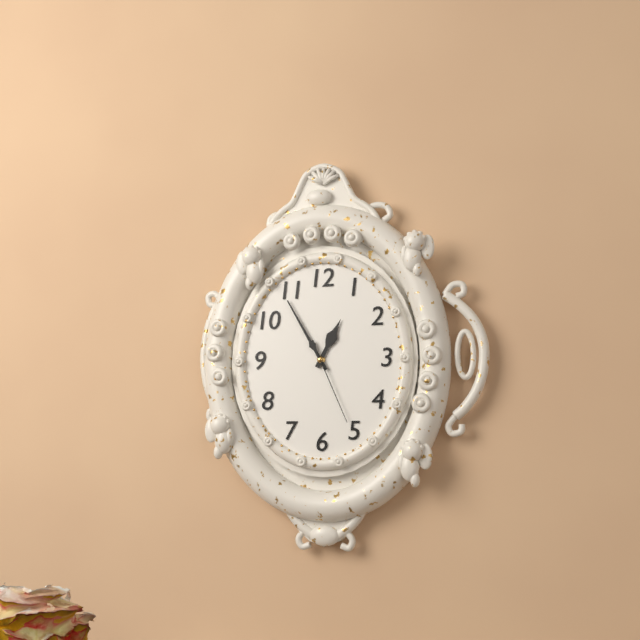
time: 12:55:26
